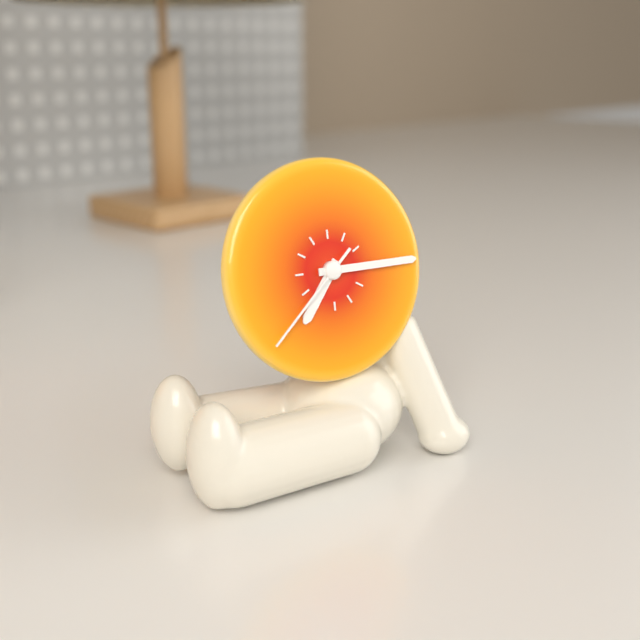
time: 7:15:38
